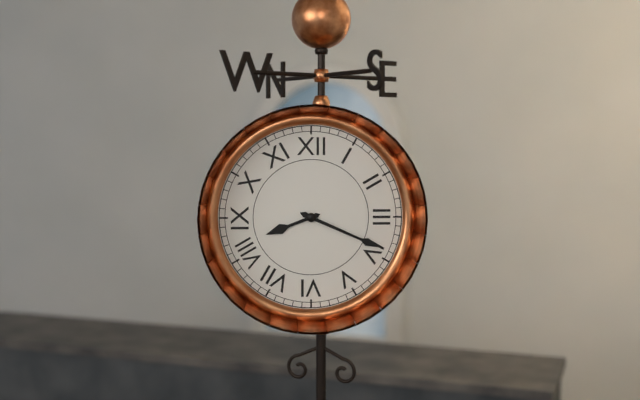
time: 8:19
